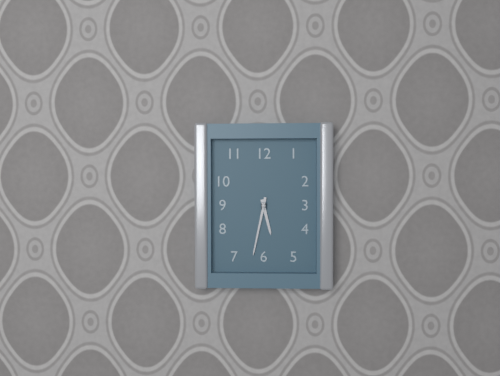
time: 5:32
